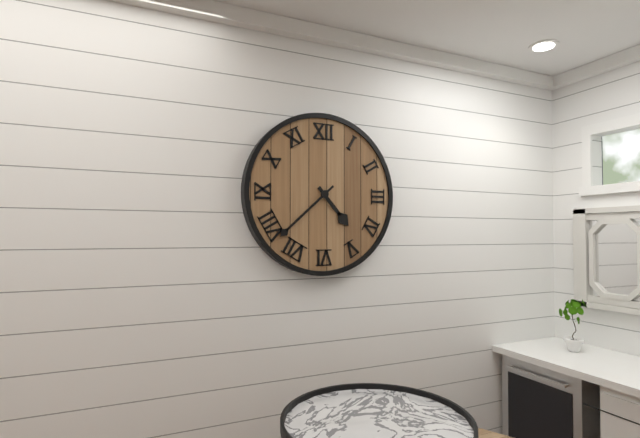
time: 4:38
